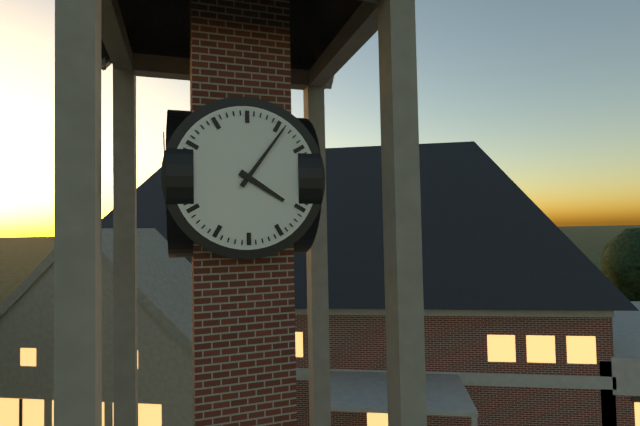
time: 4:06
